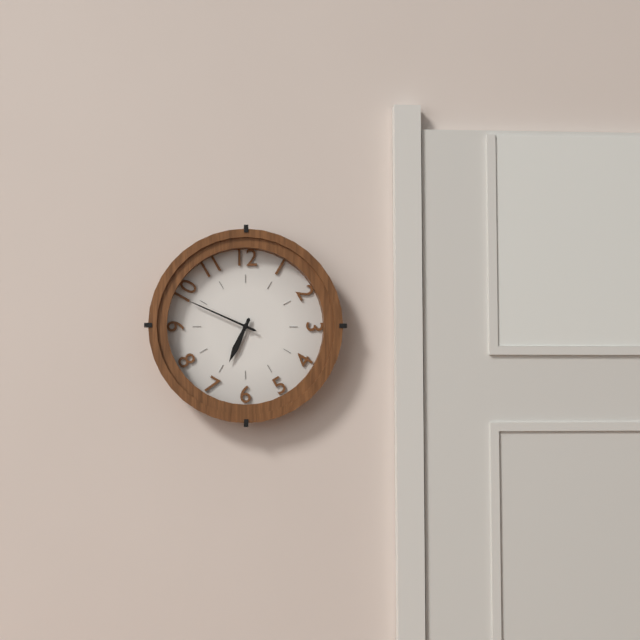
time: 6:49
